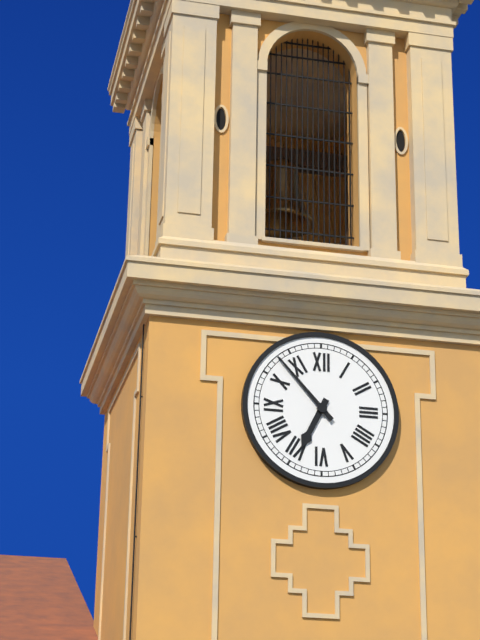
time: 6:53
